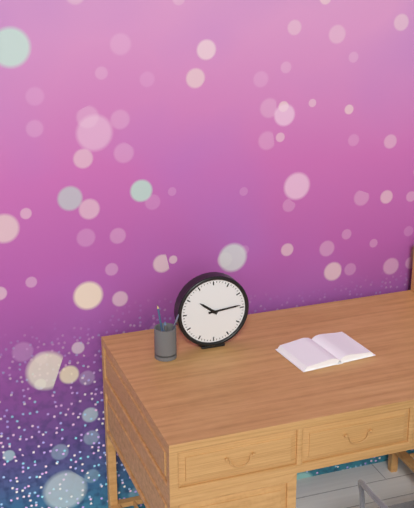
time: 10:14
